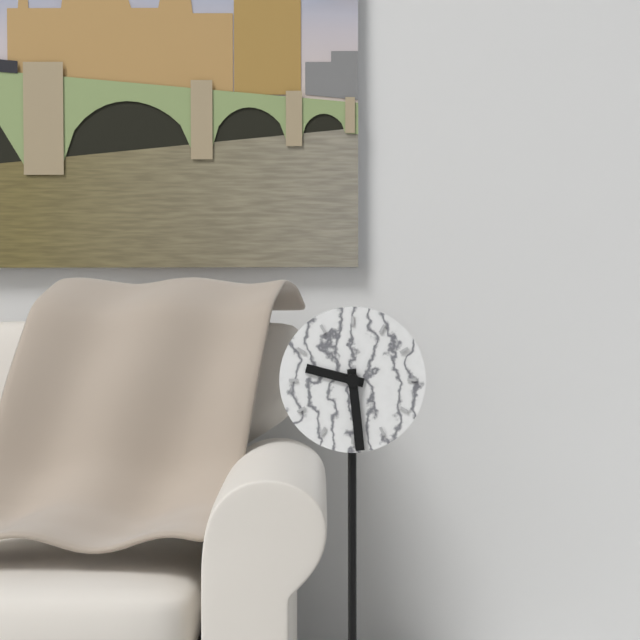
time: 9:29
